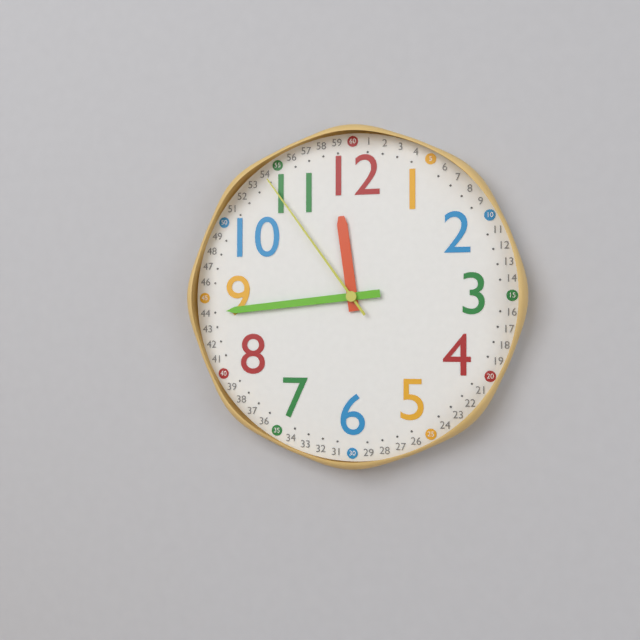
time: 11:44:54
